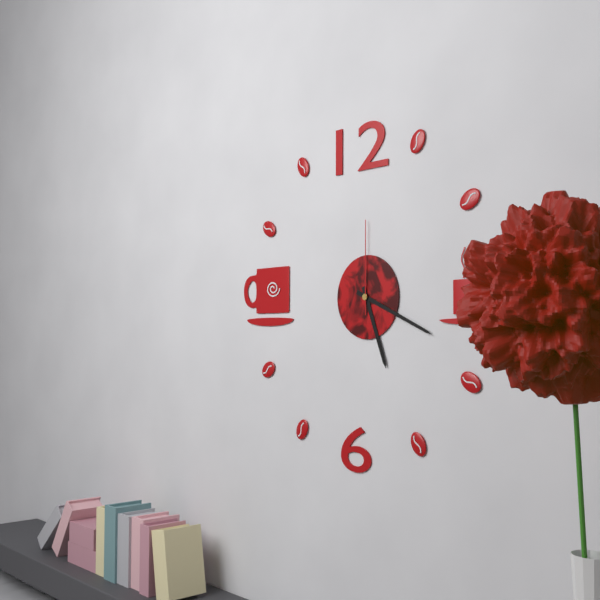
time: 5:19:00
